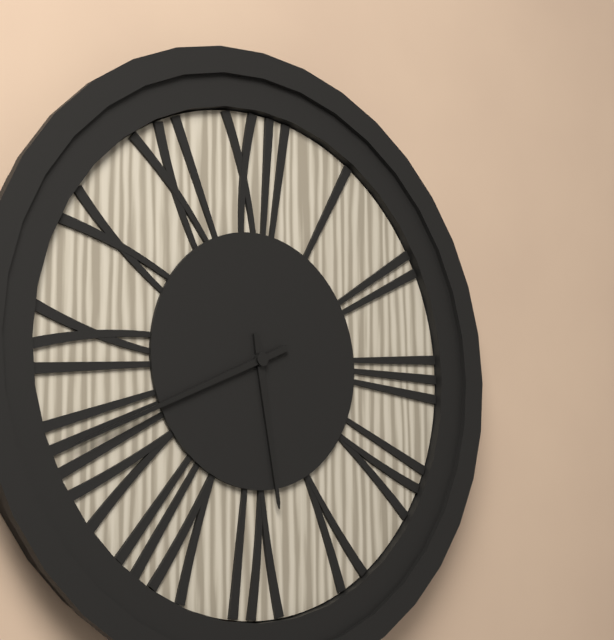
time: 5:41
